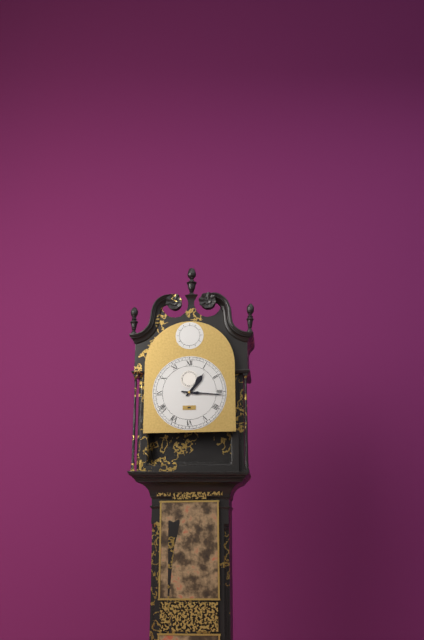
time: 1:16
